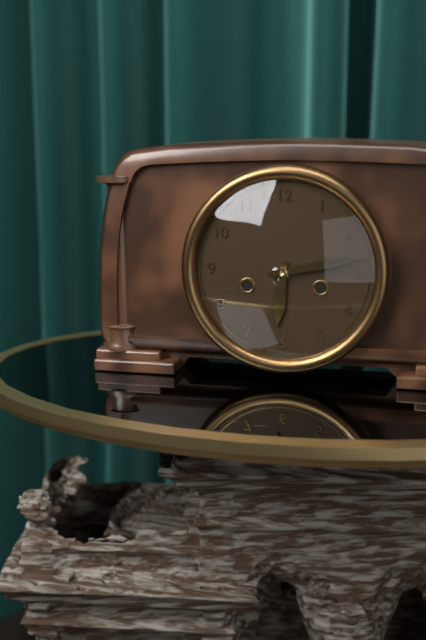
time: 6:13
